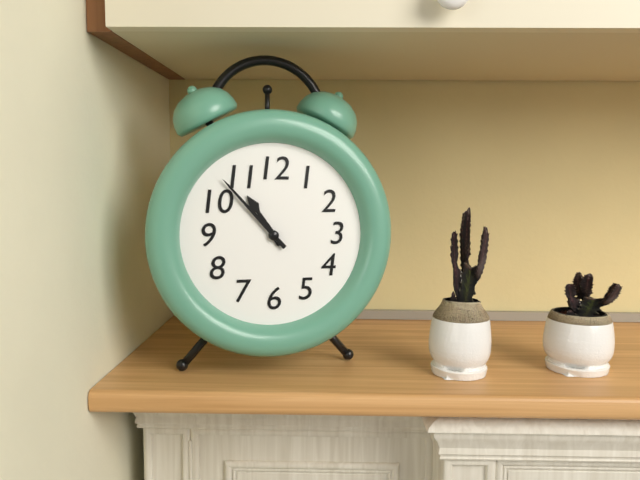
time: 10:53
